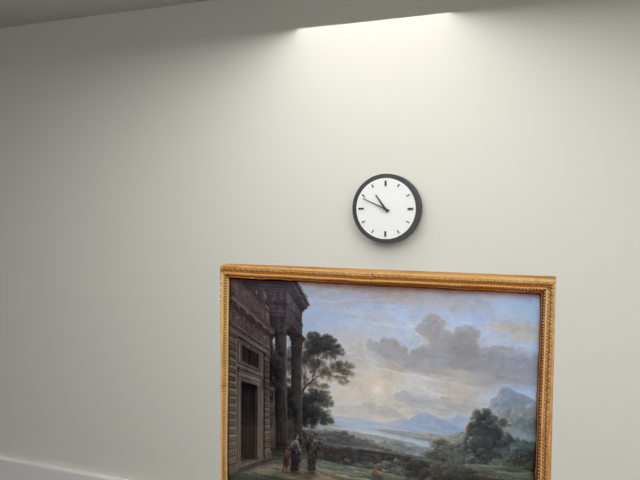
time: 10:49
